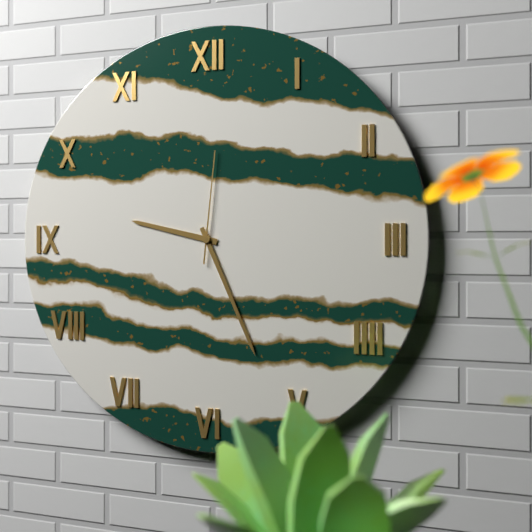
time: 9:26:01
